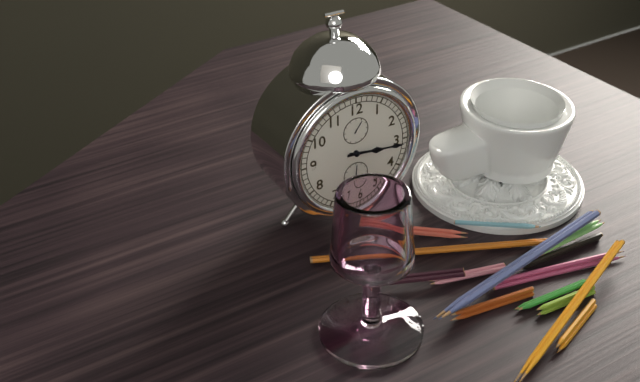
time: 3:16
